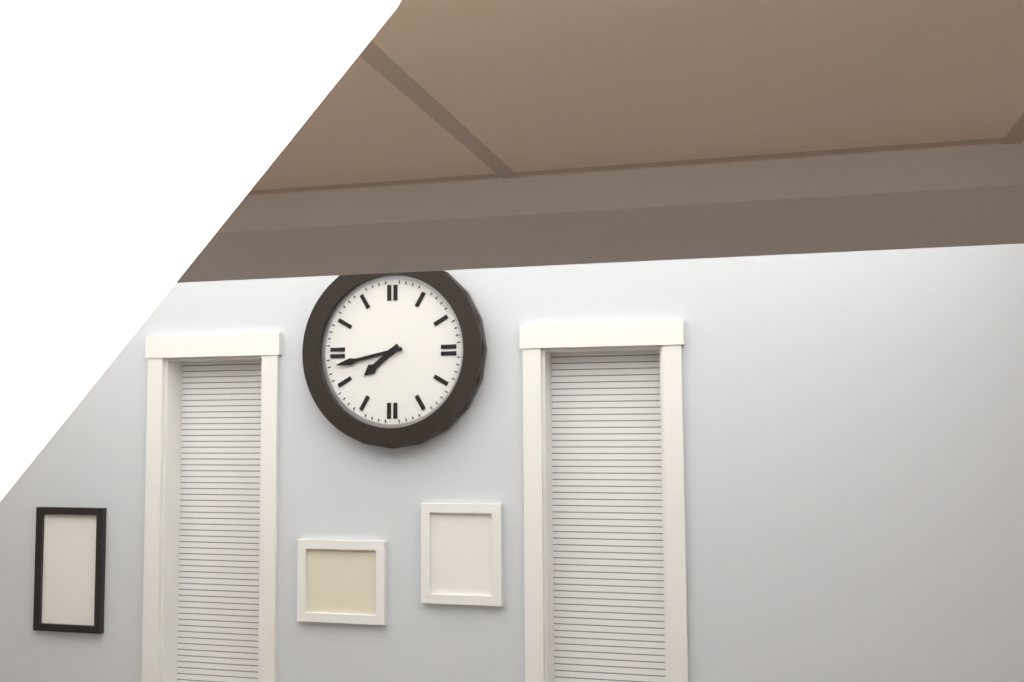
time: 7:43
